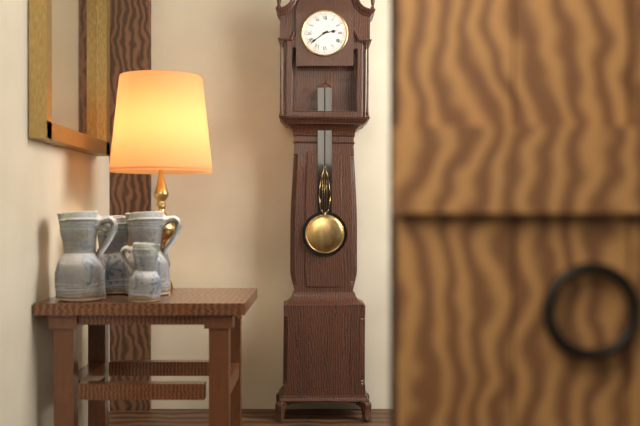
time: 2:39
